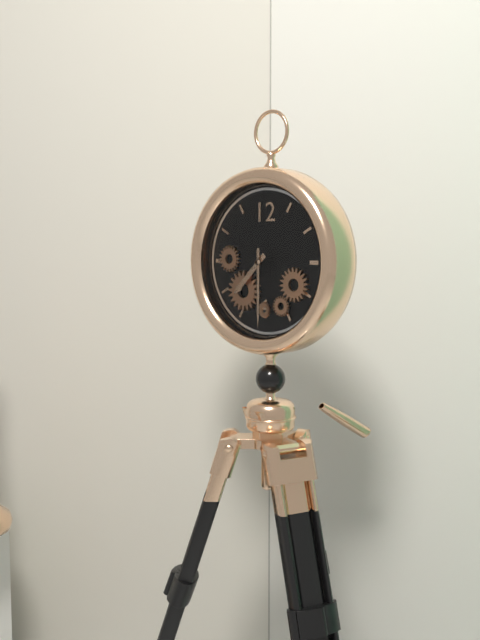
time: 7:30
